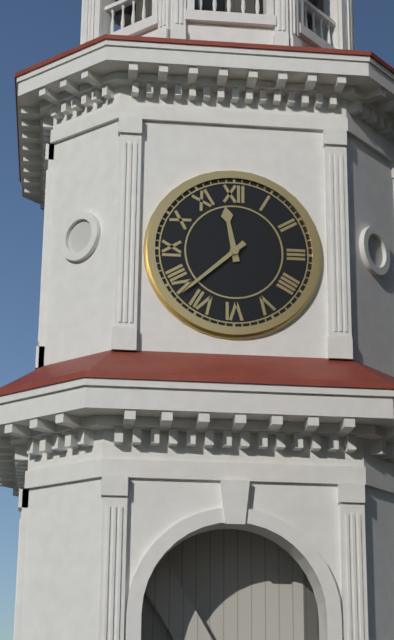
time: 11:38
